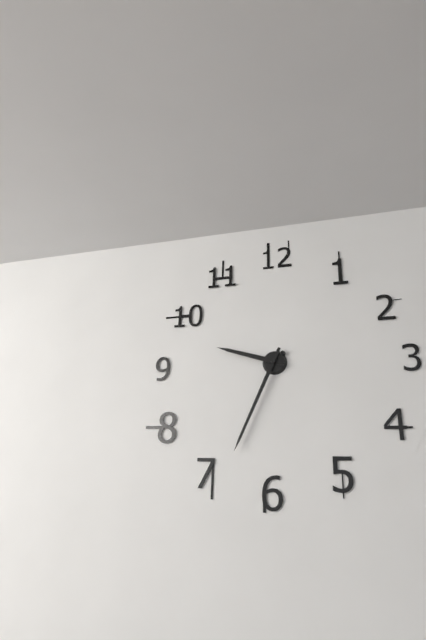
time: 9:34
